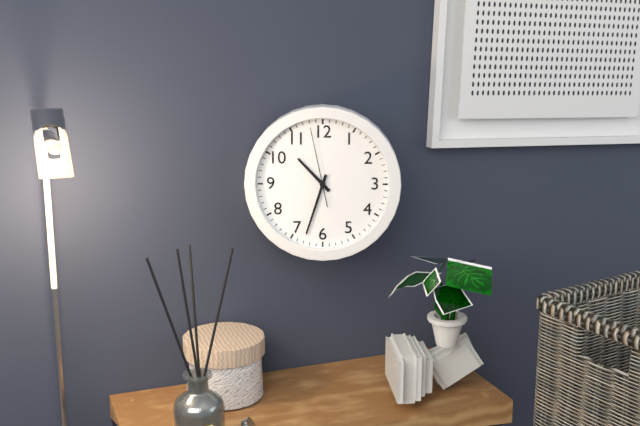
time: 10:33:58
